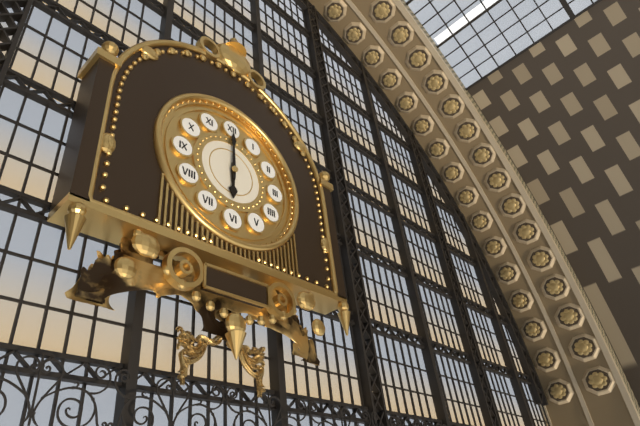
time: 6:00
